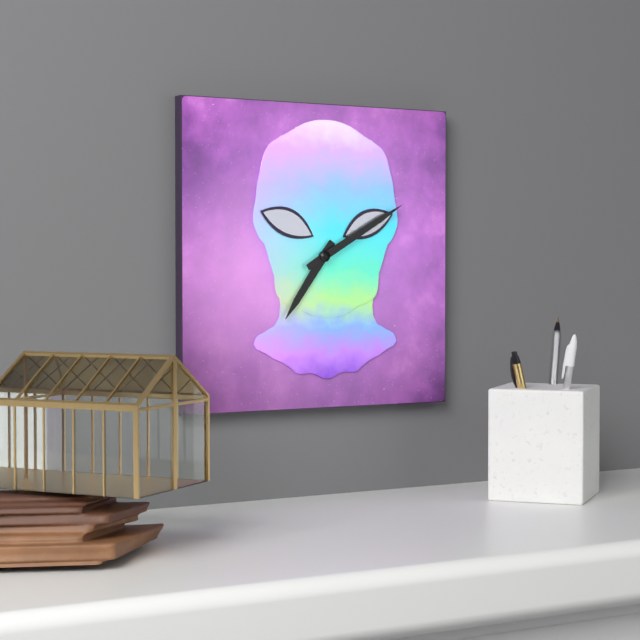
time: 7:10
